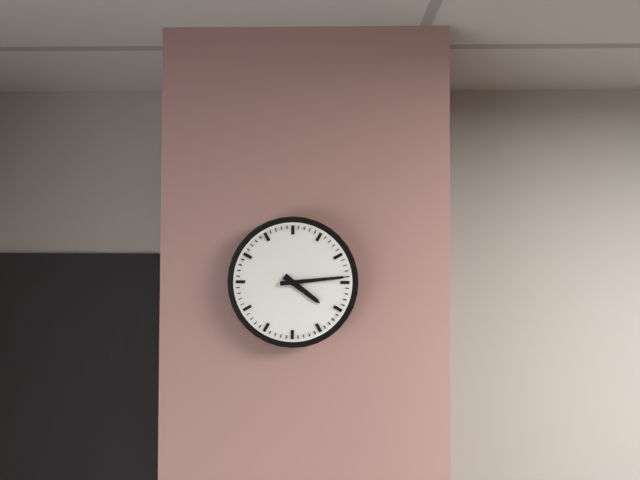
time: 4:14
